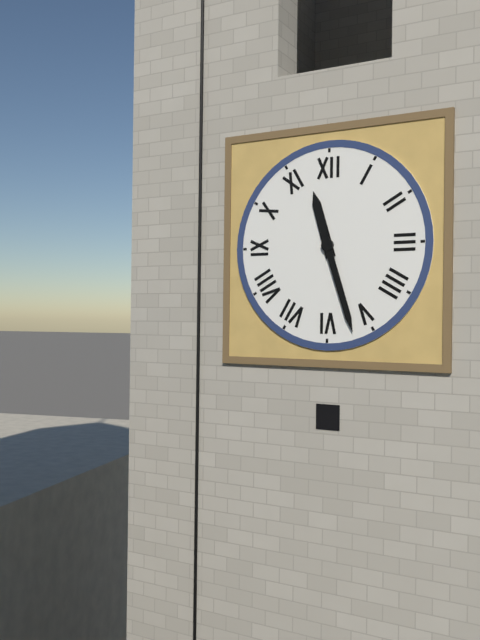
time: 11:27
